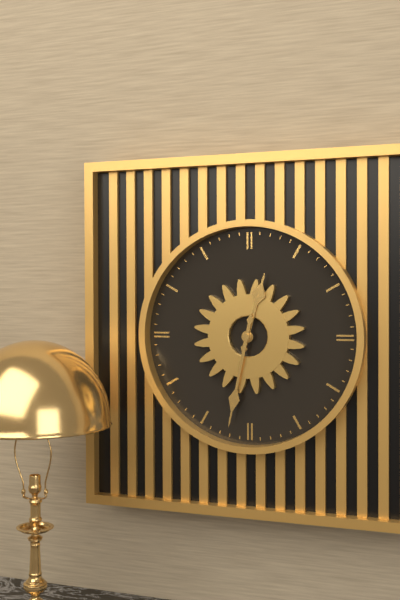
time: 12:32
